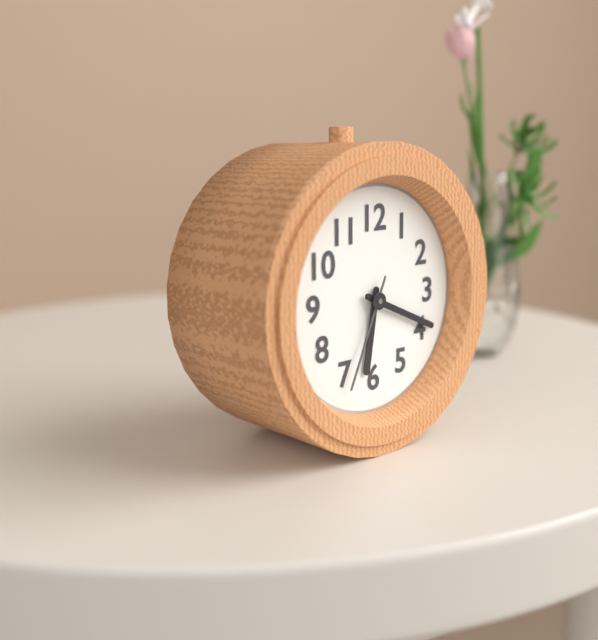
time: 6:19:34
